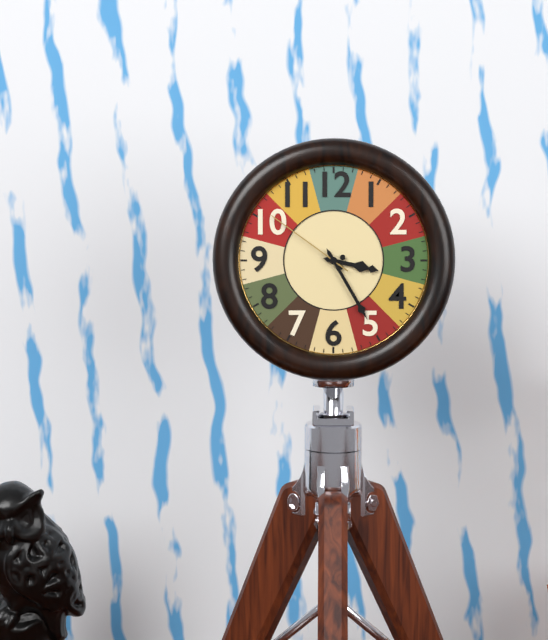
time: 3:25:51
